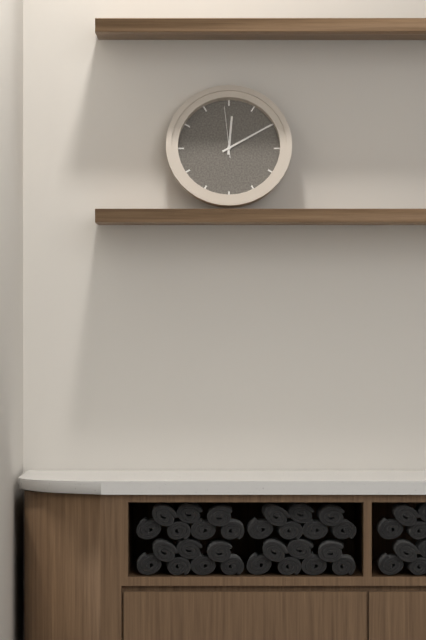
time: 12:10:59
